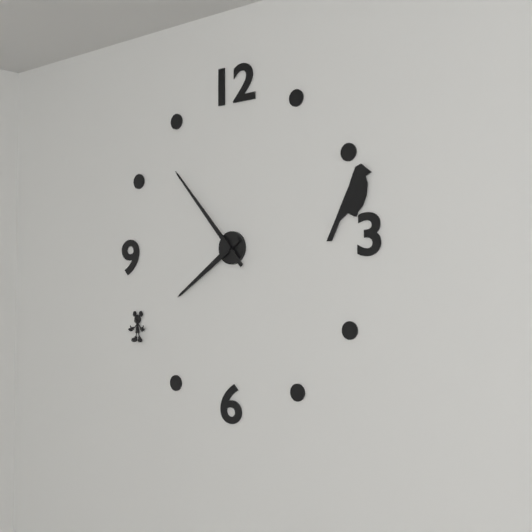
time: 7:53
